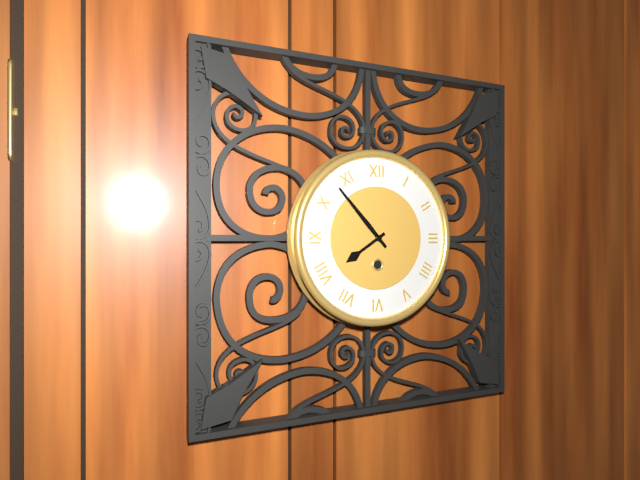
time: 7:53
